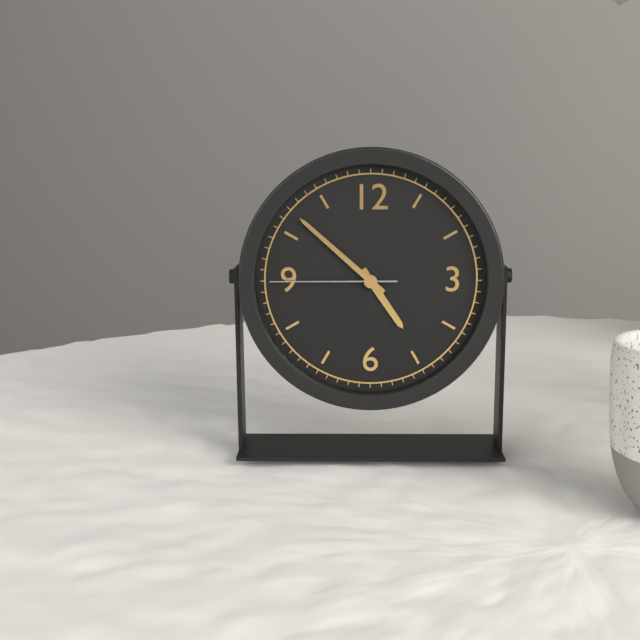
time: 4:52:45
